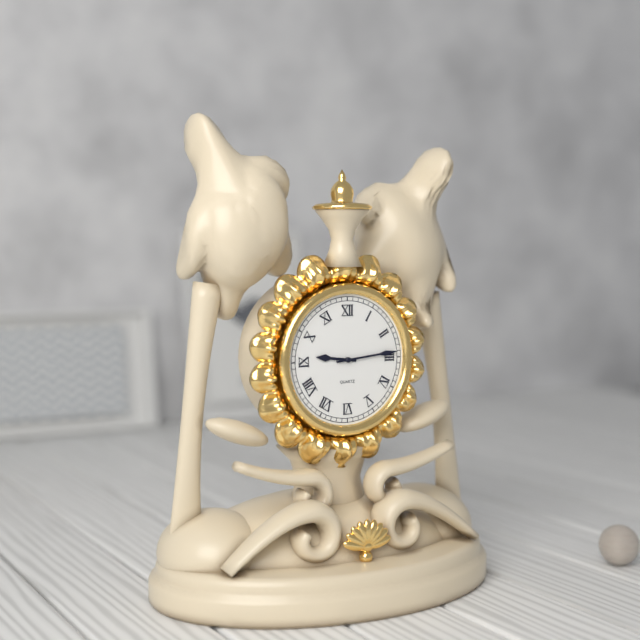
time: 9:14
